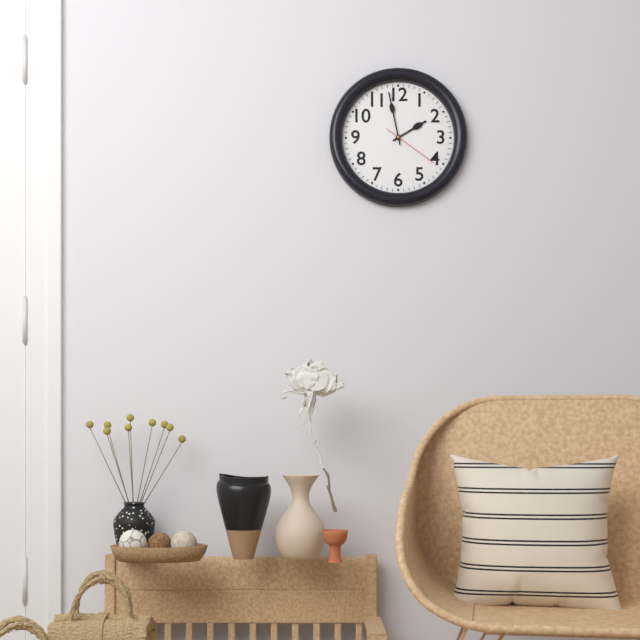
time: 1:58:21
